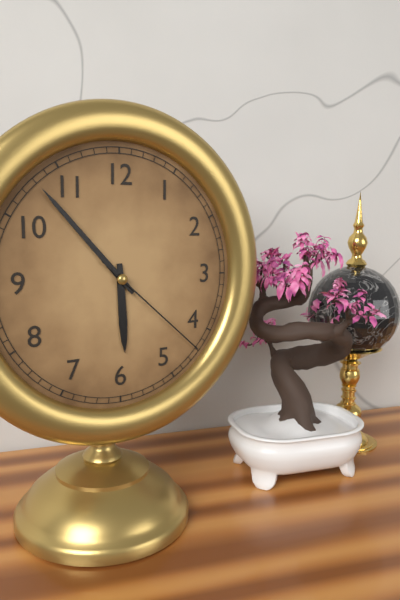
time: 5:53:22
